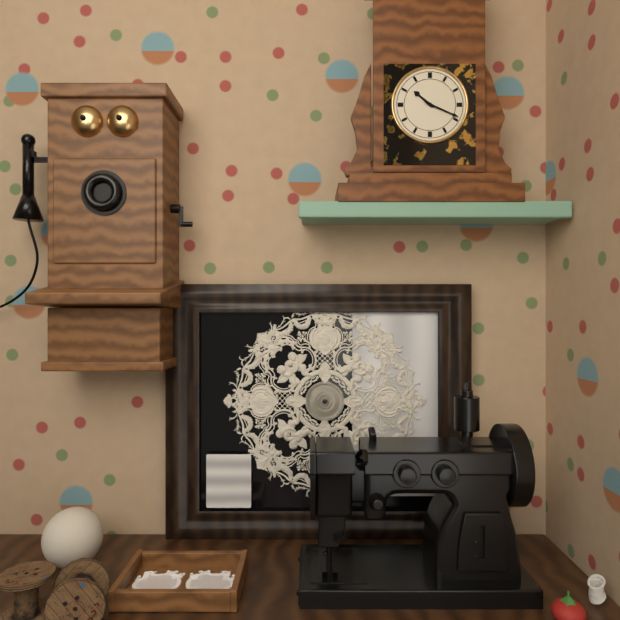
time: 10:19
